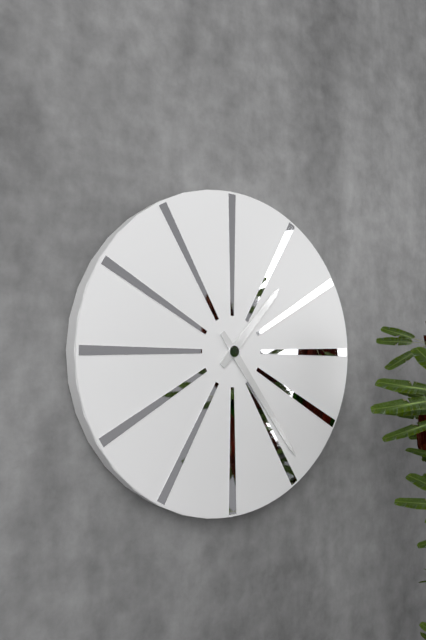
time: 1:24
